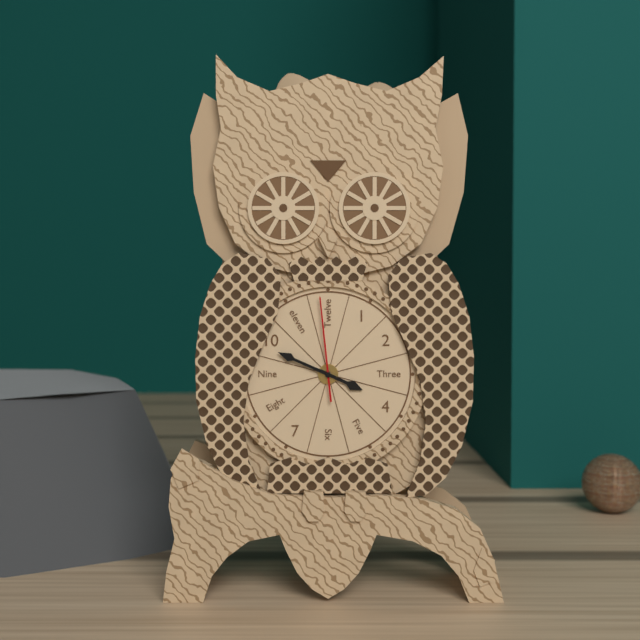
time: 3:49:59
